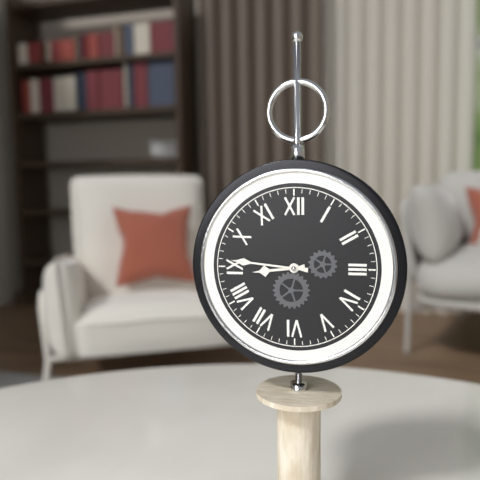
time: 8:46
